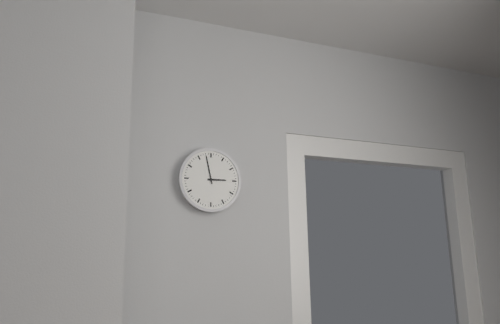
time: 2:58
